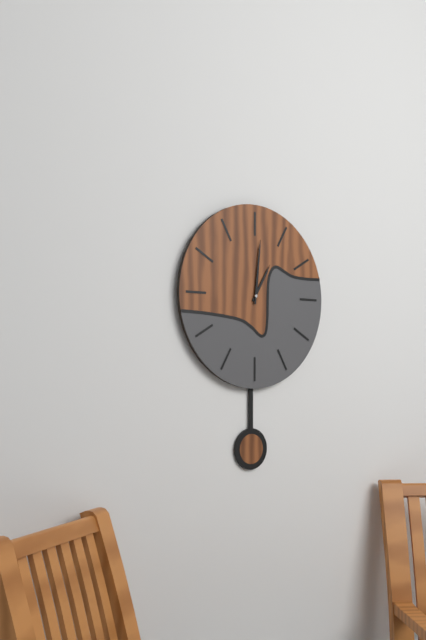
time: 1:01
